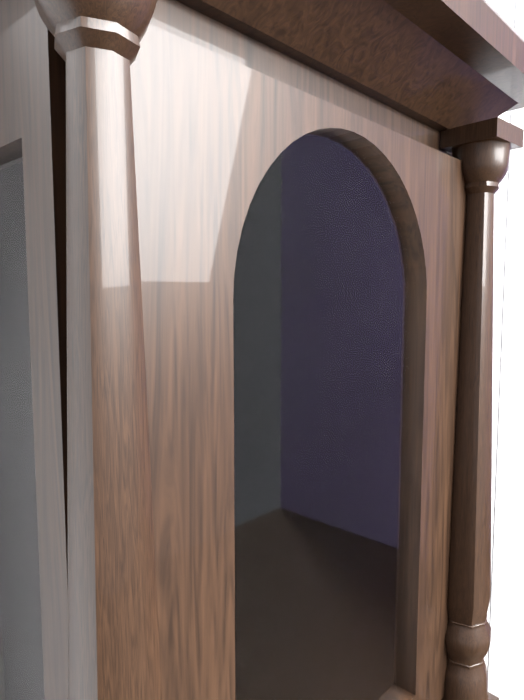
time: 12:48
